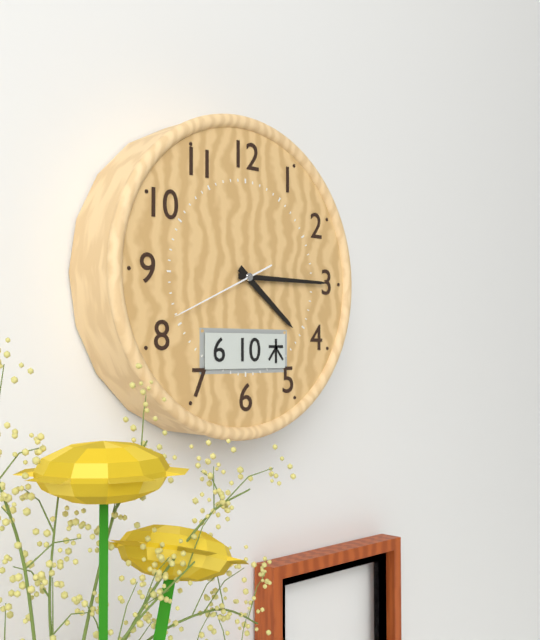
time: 4:15:41
